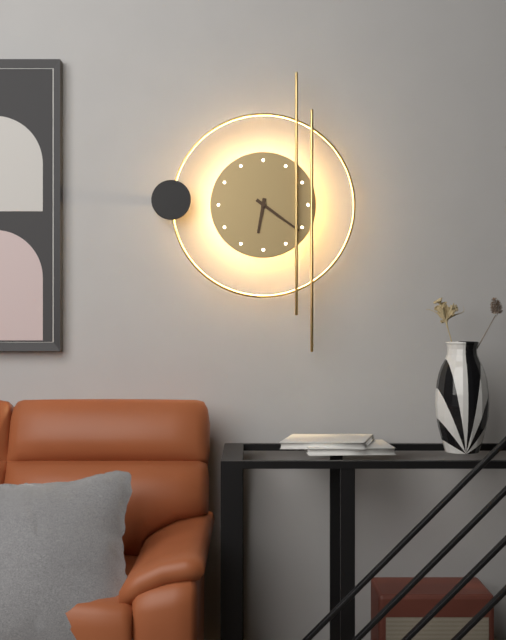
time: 6:21
